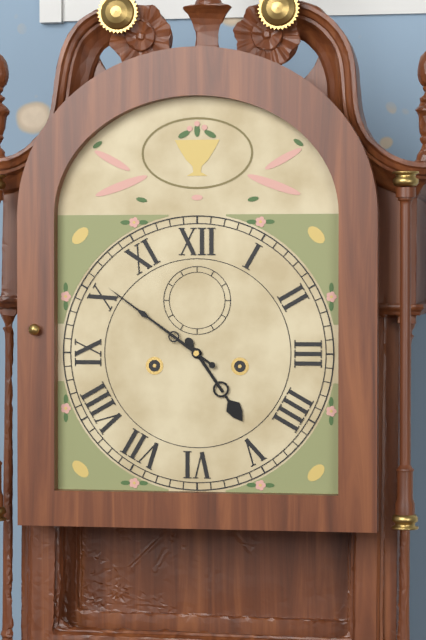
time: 4:51
